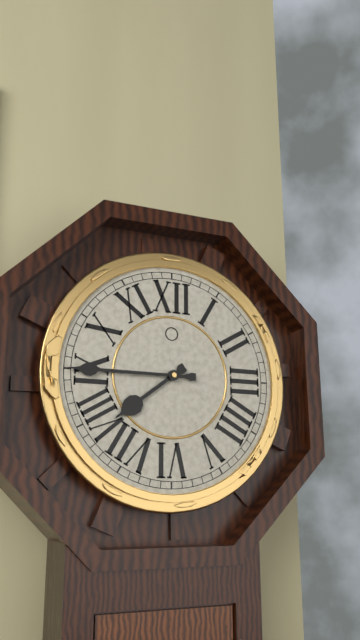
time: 7:45
